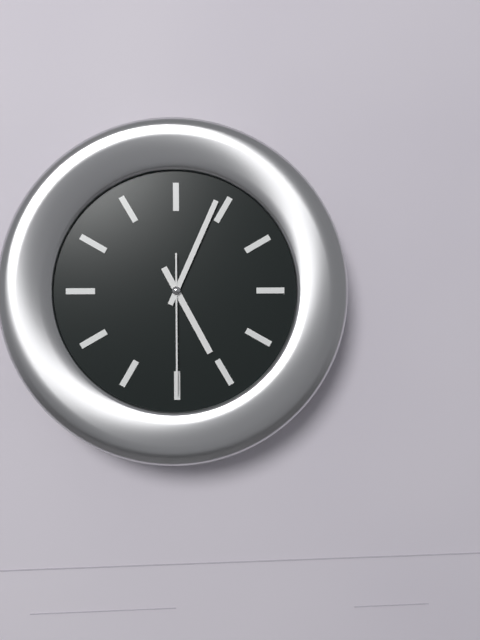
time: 5:04:30
